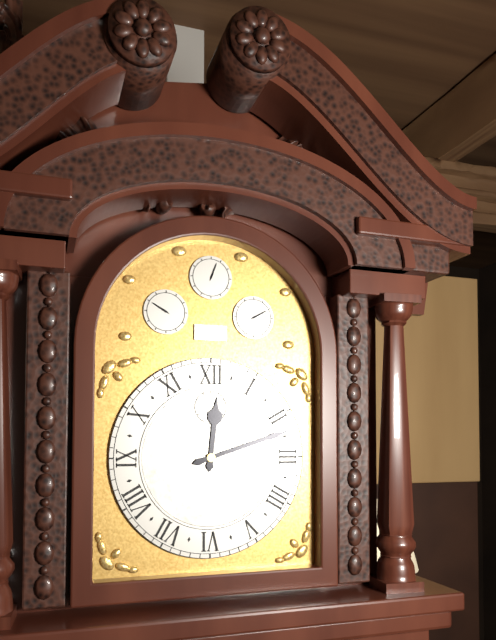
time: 12:12
